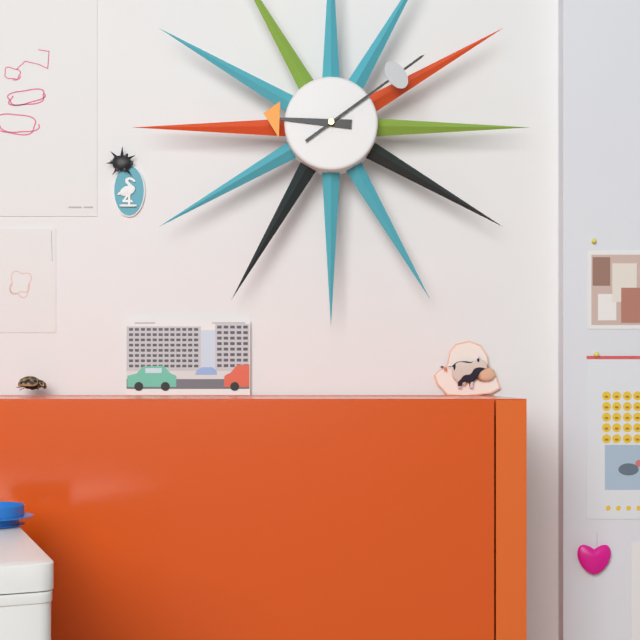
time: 9:09
